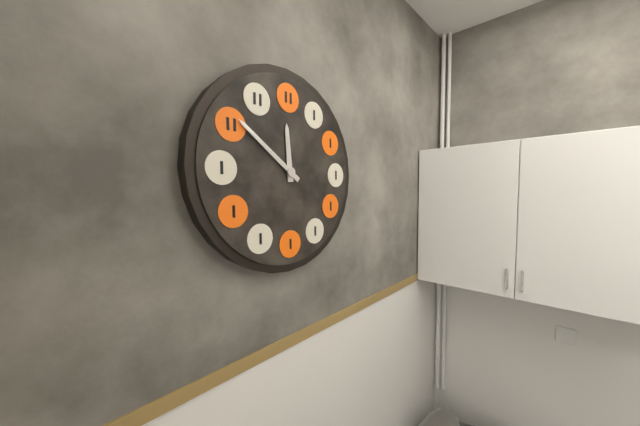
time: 11:51
